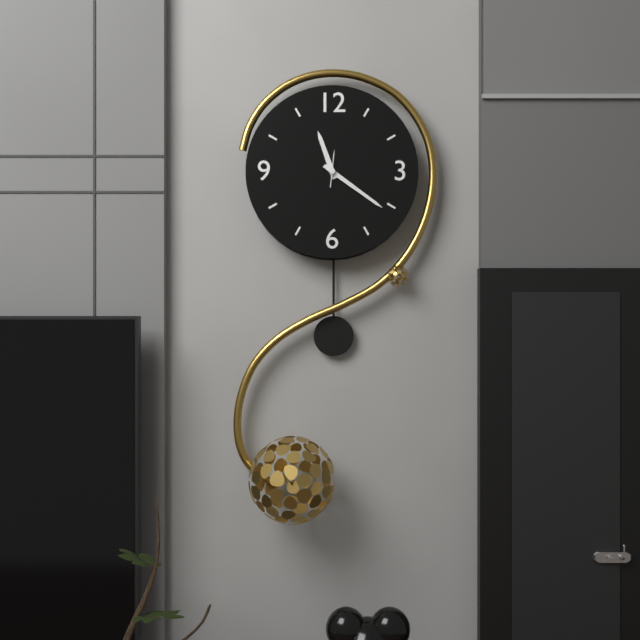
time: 11:21
